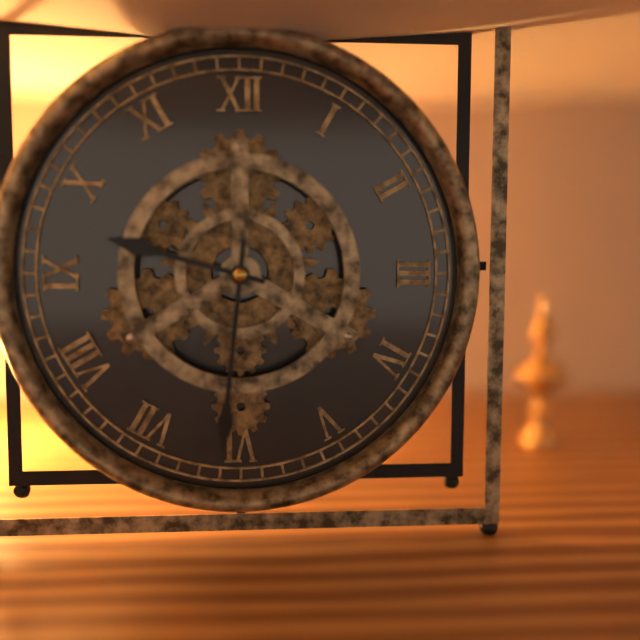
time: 9:31
